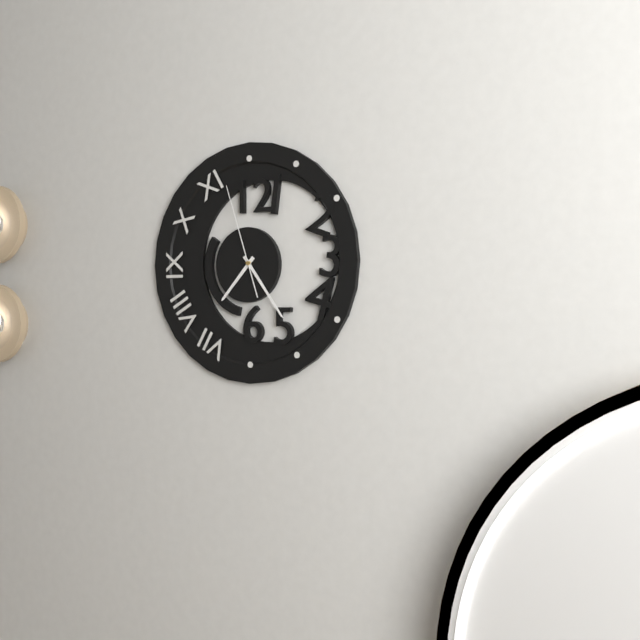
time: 7:24:57
